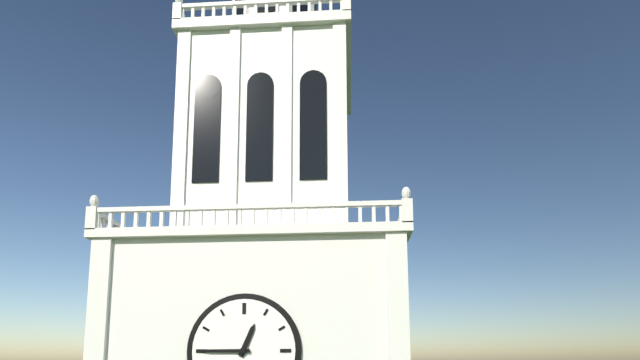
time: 12:45
